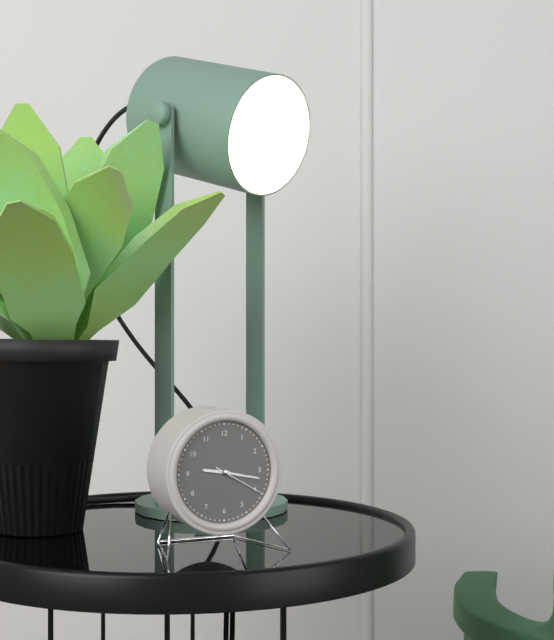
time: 9:17:20
